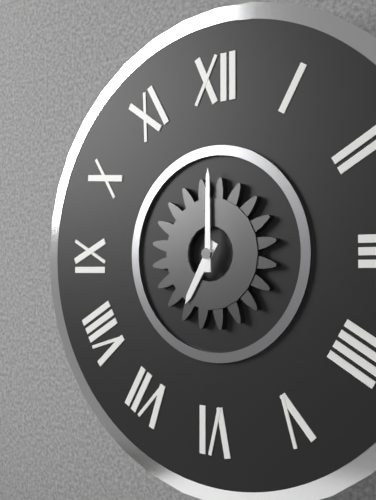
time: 7:00
